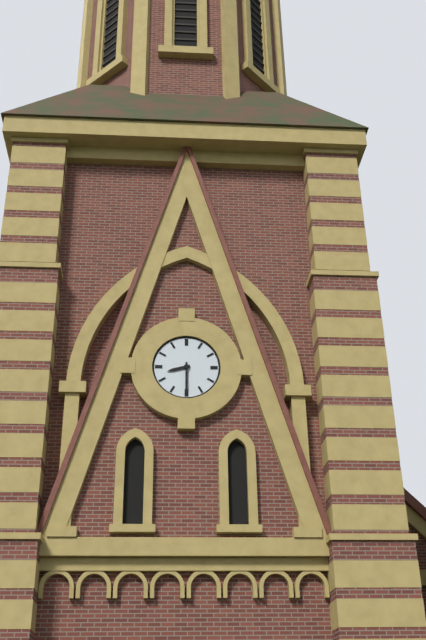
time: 8:30
